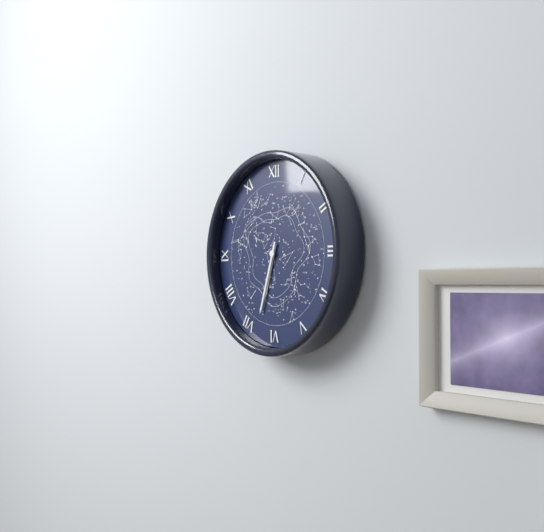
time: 6:33
